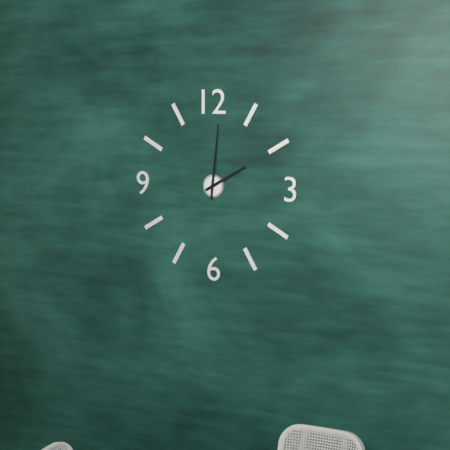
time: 2:01
